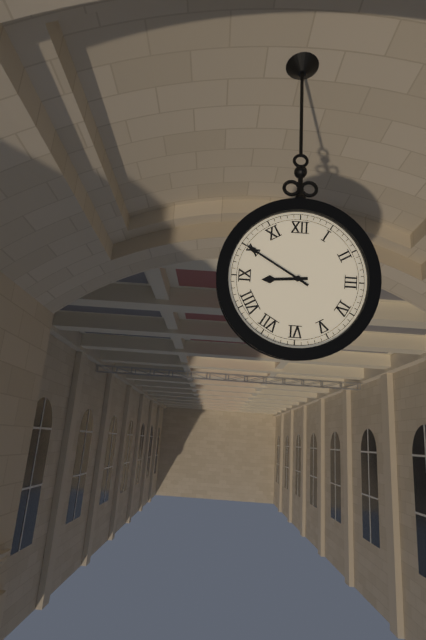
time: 8:50
